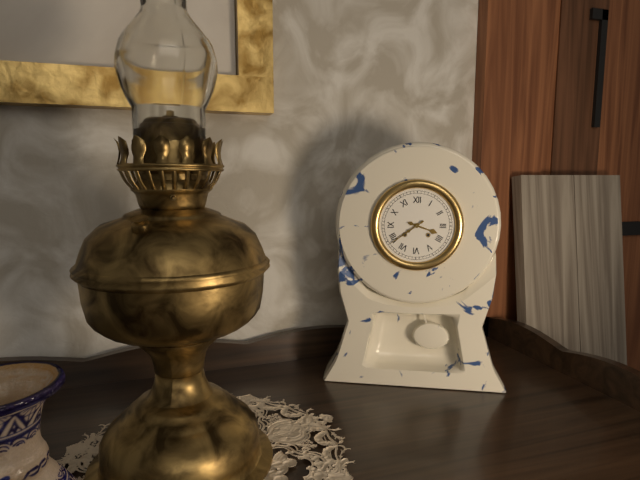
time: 3:39
